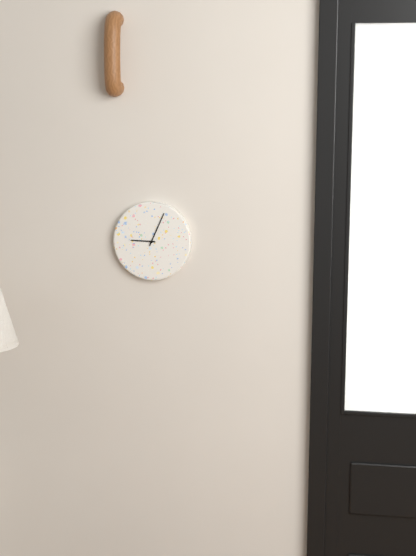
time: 9:04
